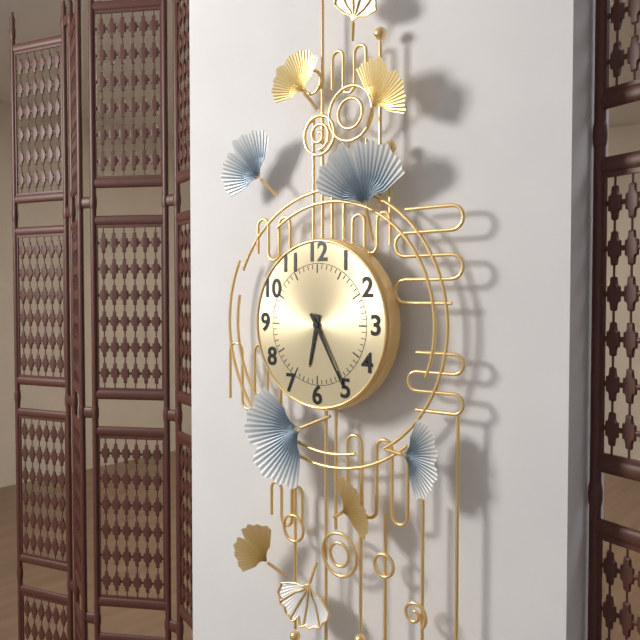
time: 6:25
